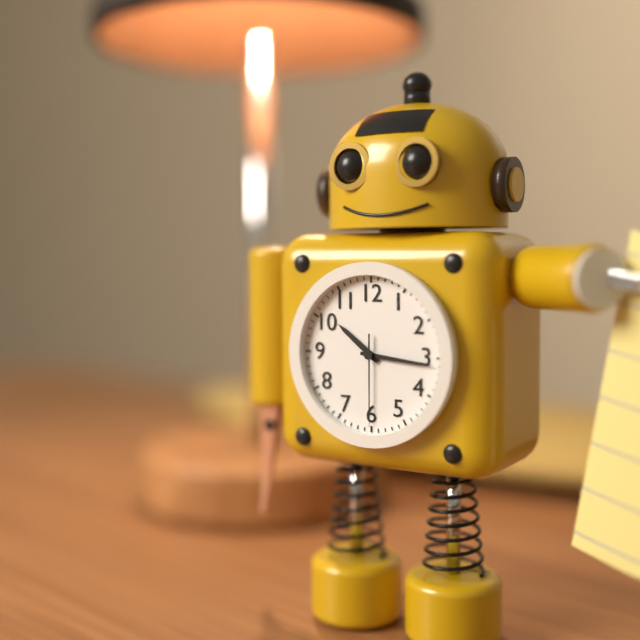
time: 10:16:30
